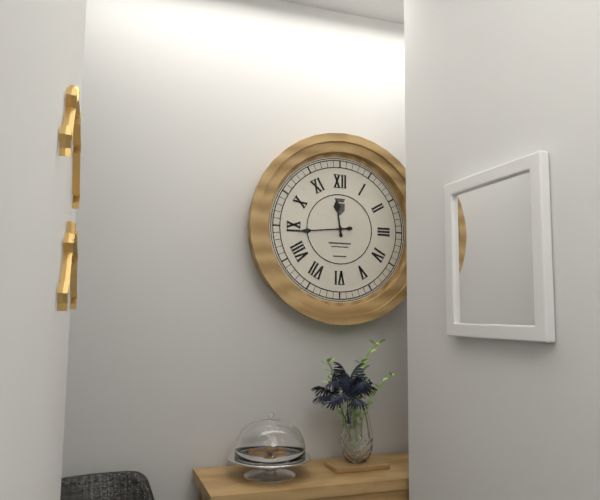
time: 11:44
